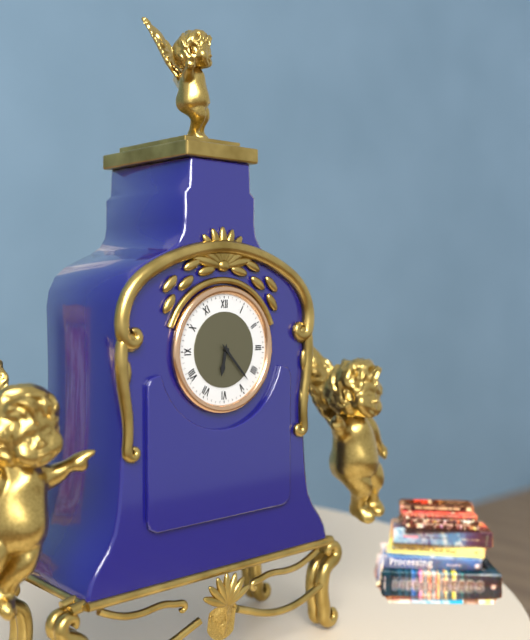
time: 6:23
